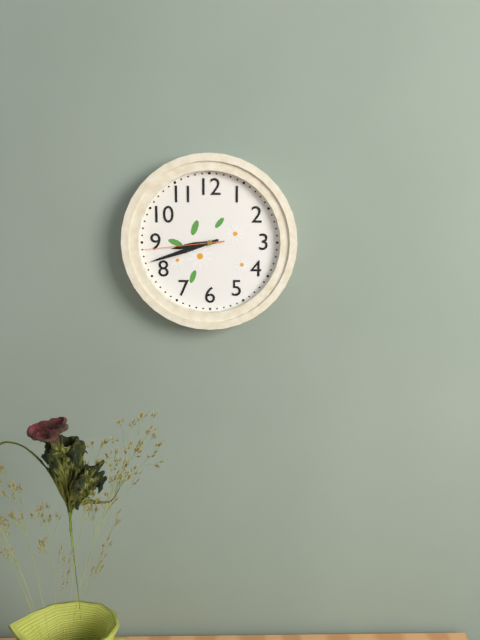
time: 8:42:44
